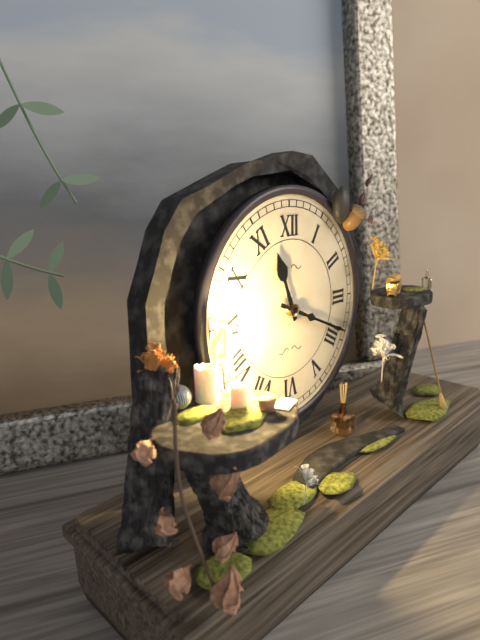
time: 11:19
